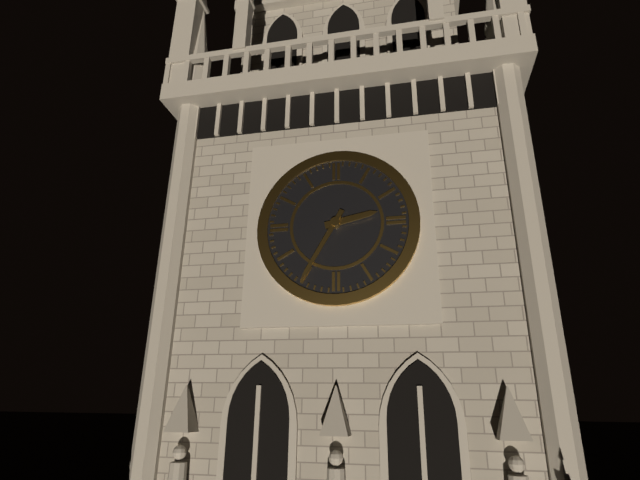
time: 2:35
